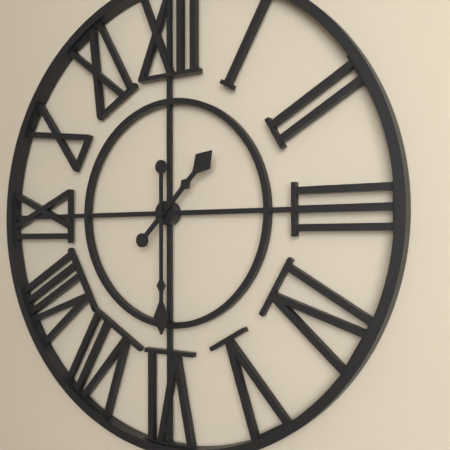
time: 1:30
